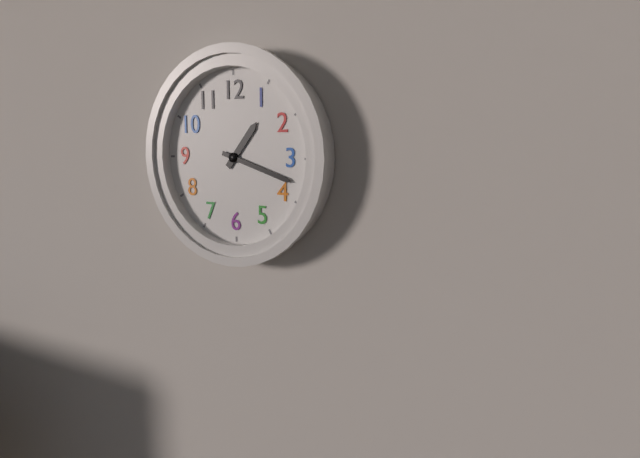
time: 1:18
